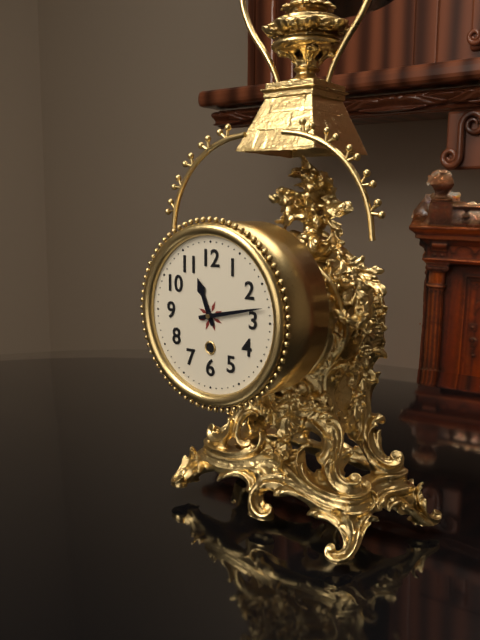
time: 11:13
